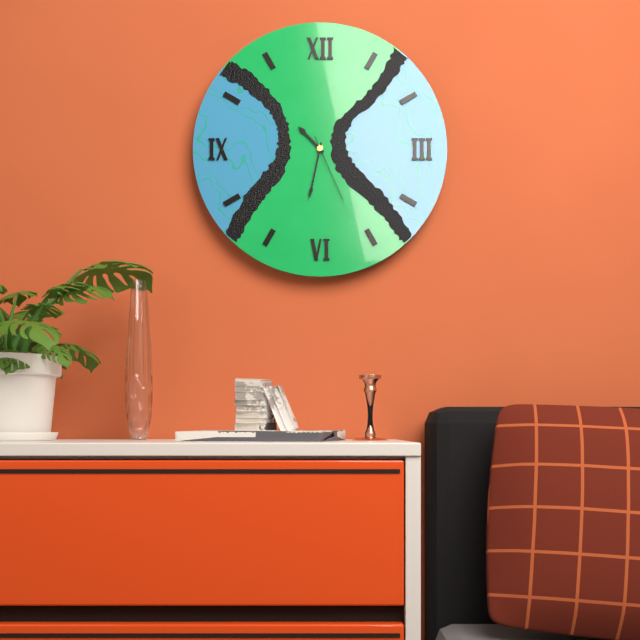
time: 10:32:26
